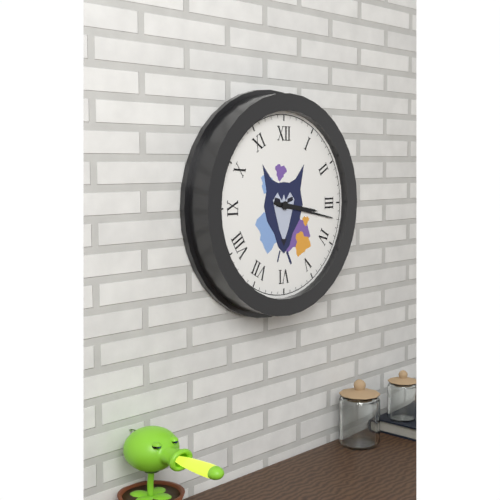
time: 3:17
